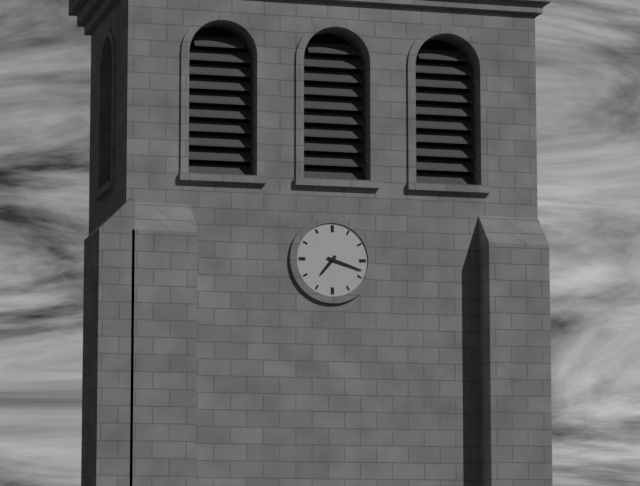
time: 7:18
